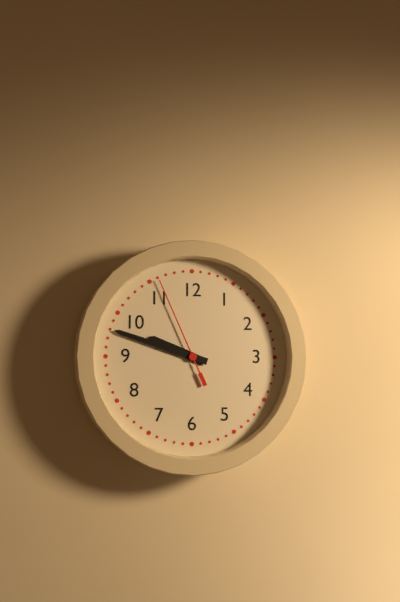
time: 9:48:56
